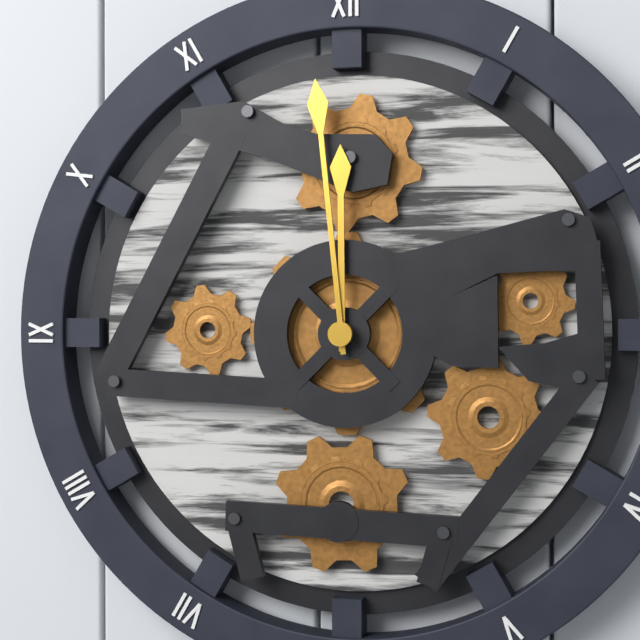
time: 11:59
